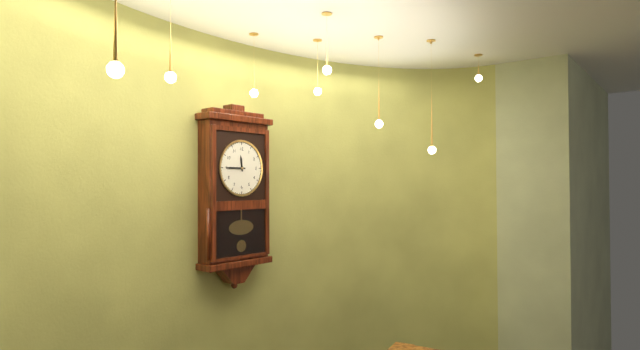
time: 11:45
